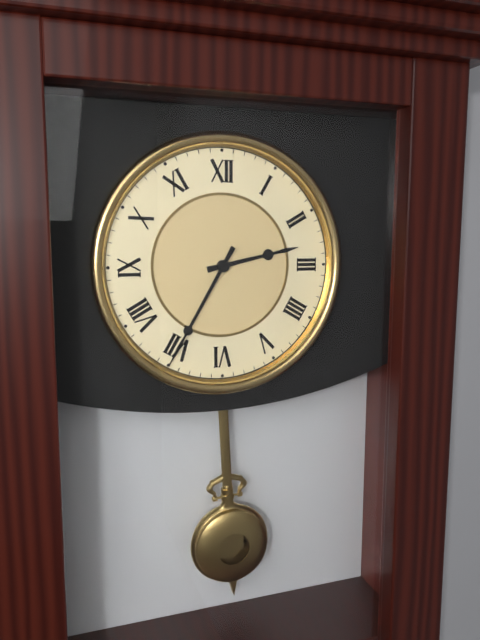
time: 2:35
